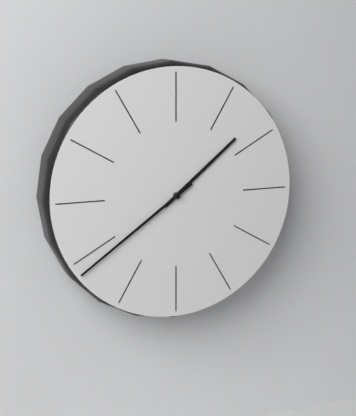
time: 1:39
